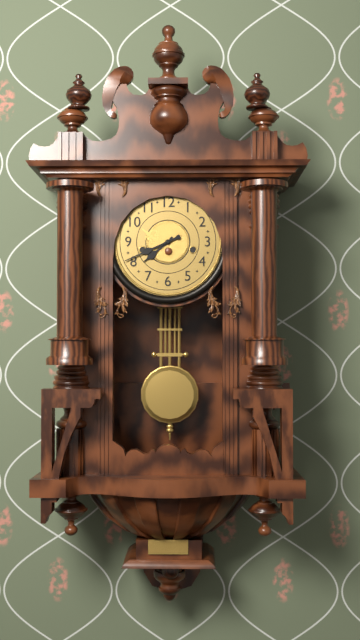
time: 7:41
